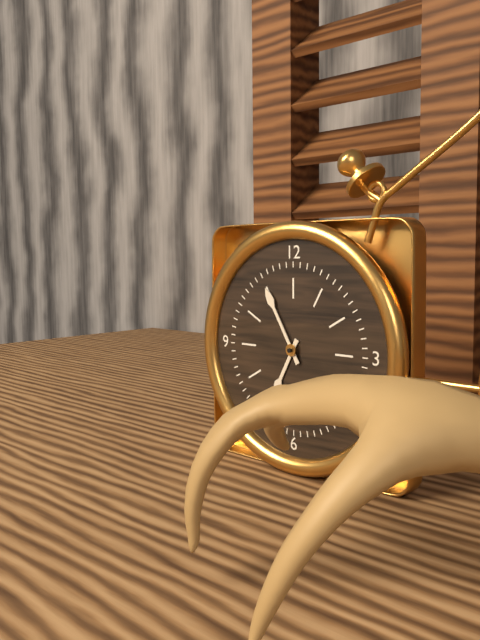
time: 6:55
